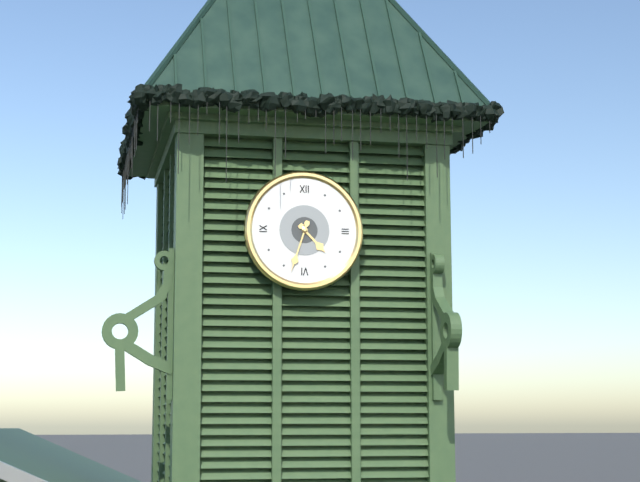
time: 4:33
